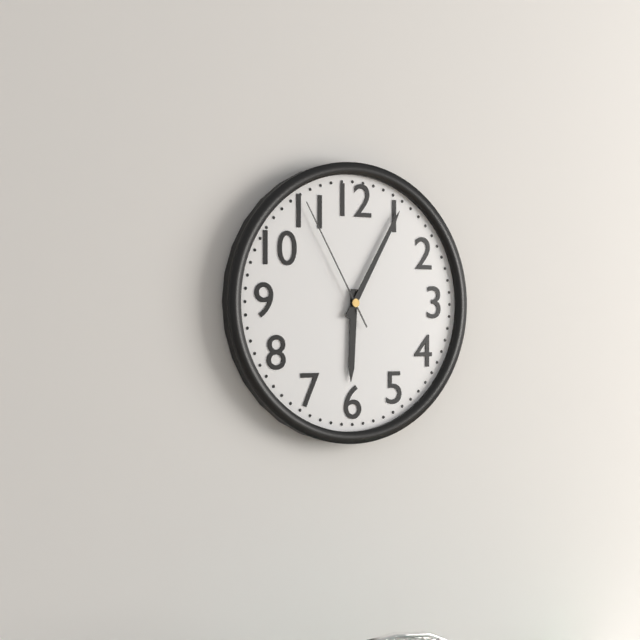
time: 6:05:55
